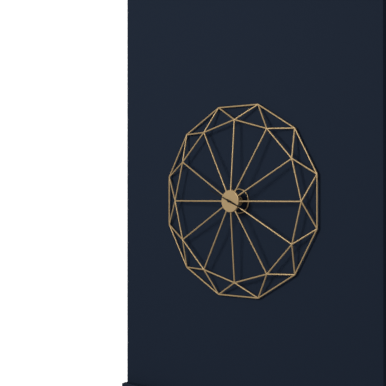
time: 3:49
